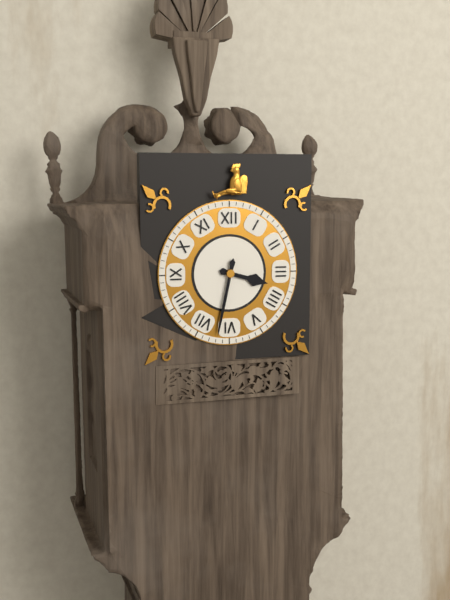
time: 3:32
